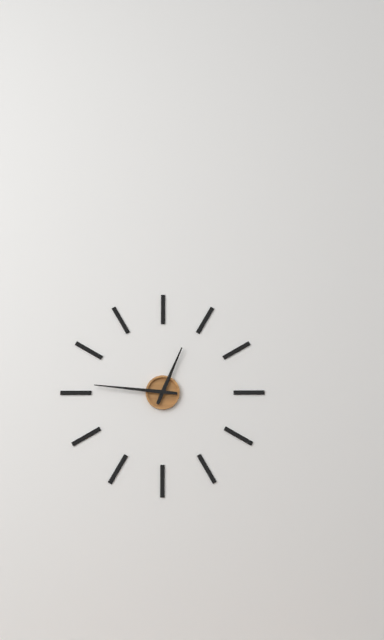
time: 12:46
